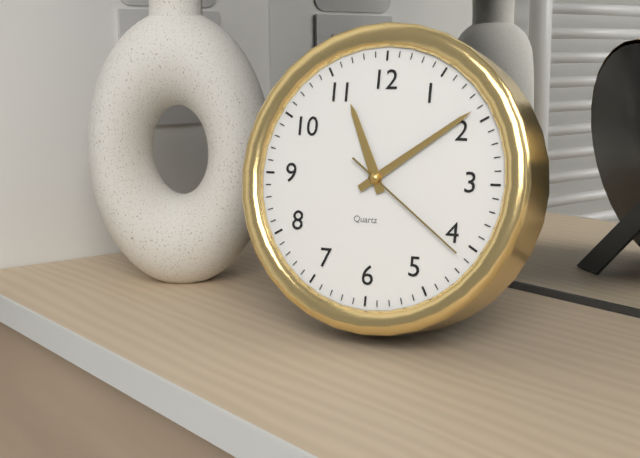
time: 11:09:21
